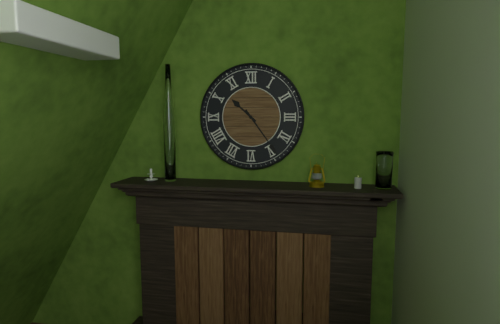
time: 10:24
